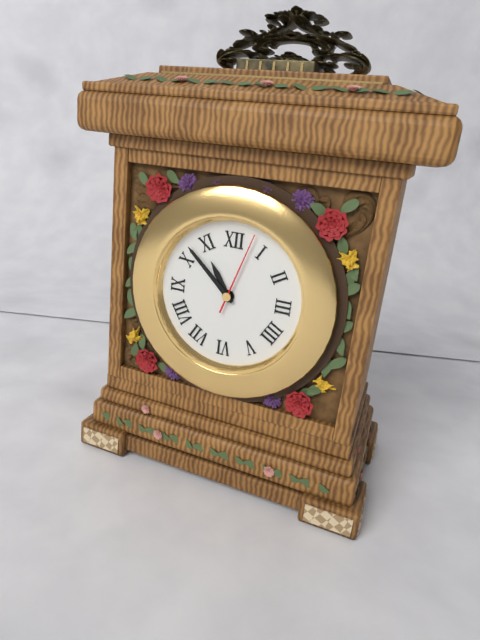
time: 10:52:03
